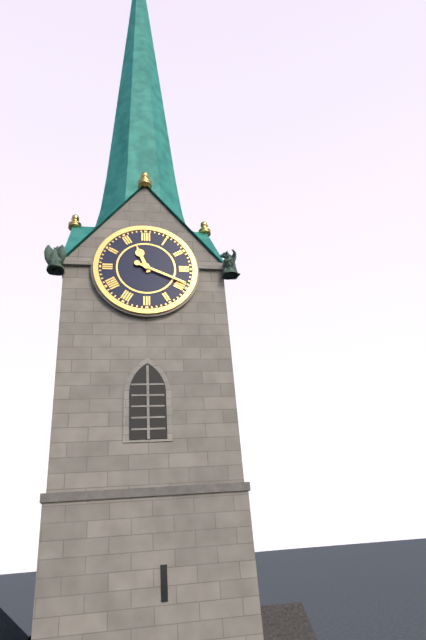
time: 11:19
